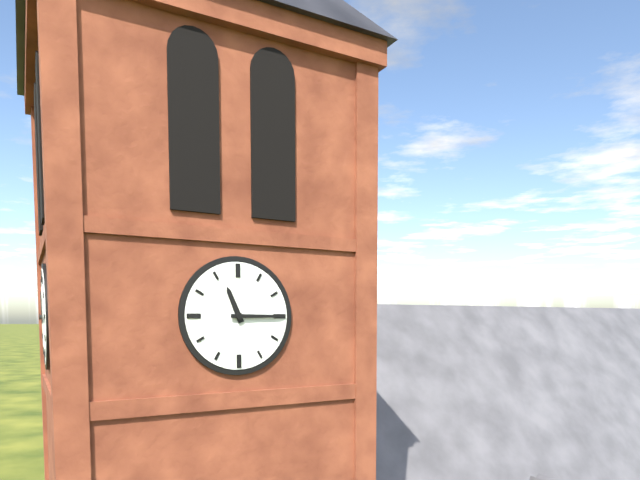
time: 11:15
